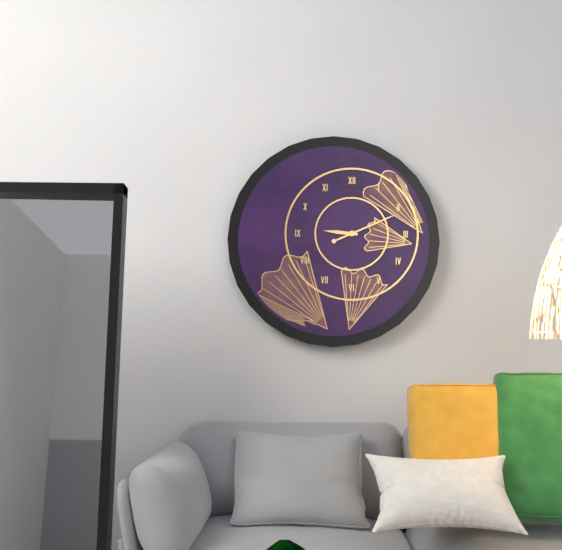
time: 9:11
